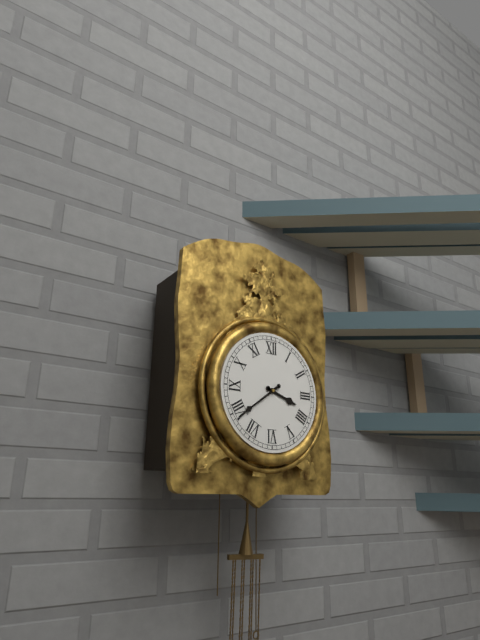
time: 3:39
